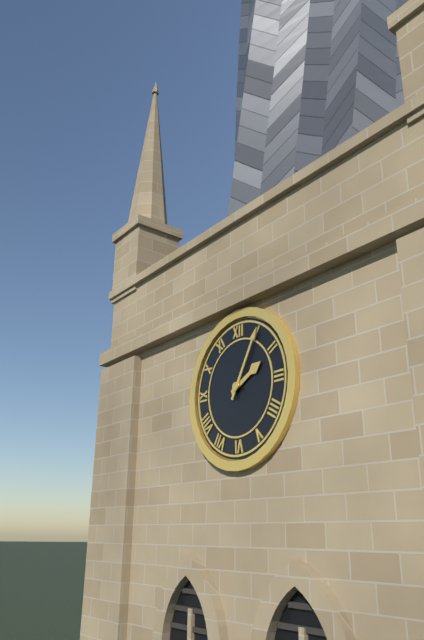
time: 2:05
